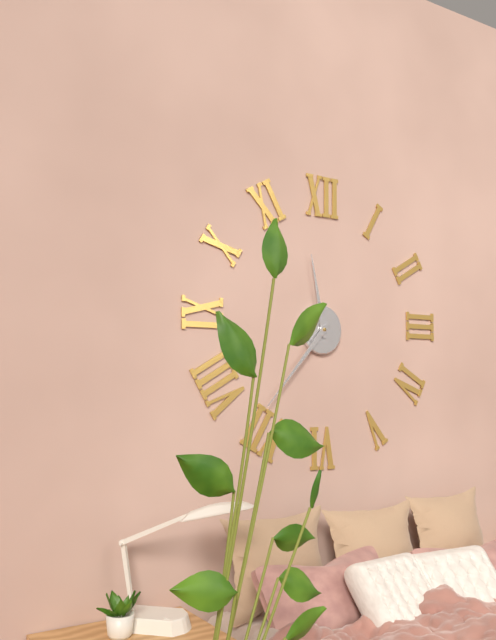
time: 11:37
